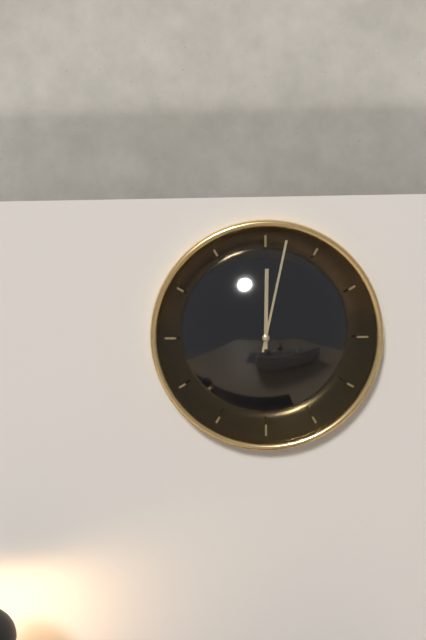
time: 12:02
